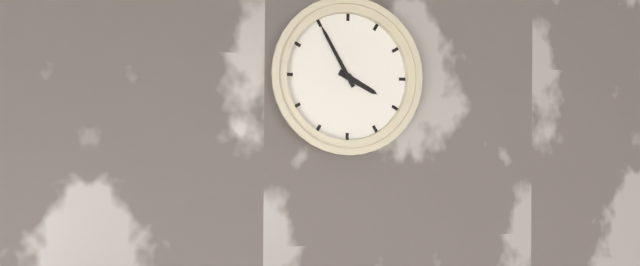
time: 3:55
